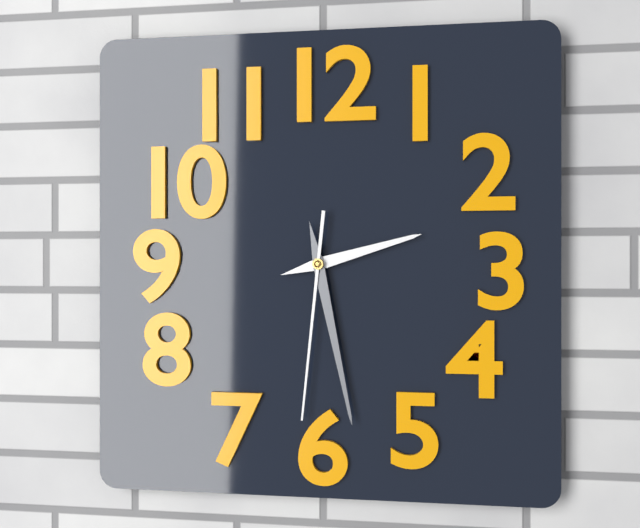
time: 2:28:31
